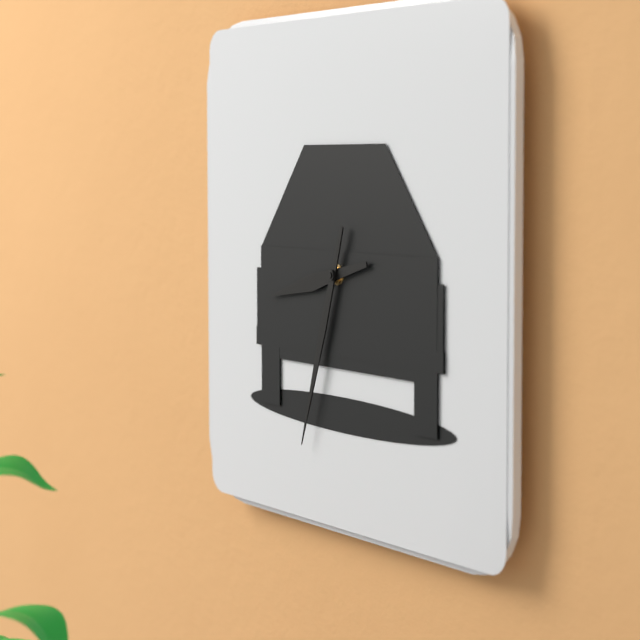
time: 8:33
